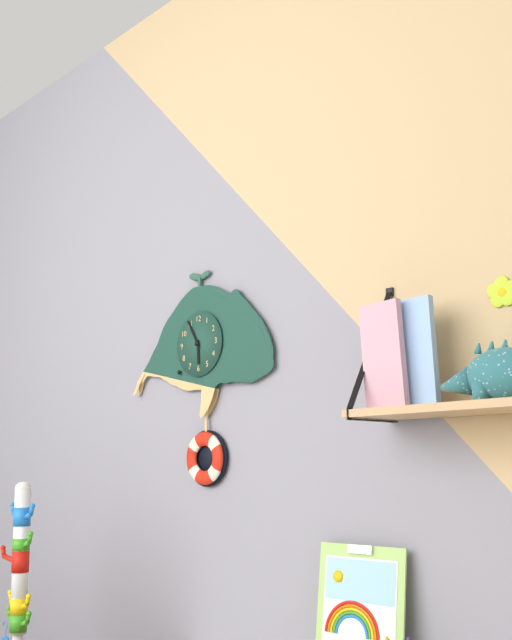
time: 5:55
